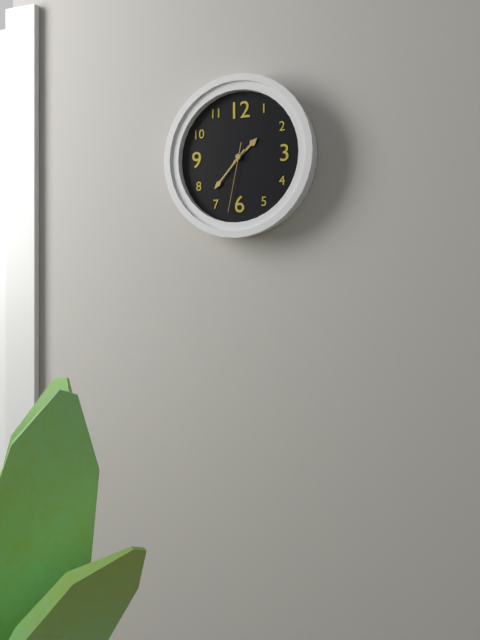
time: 1:37:32
